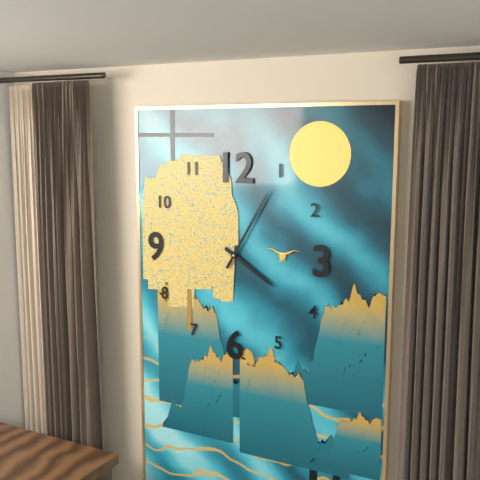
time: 4:05
